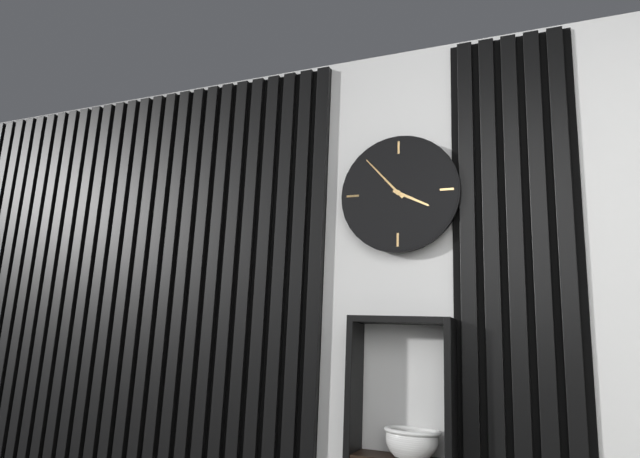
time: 3:53
